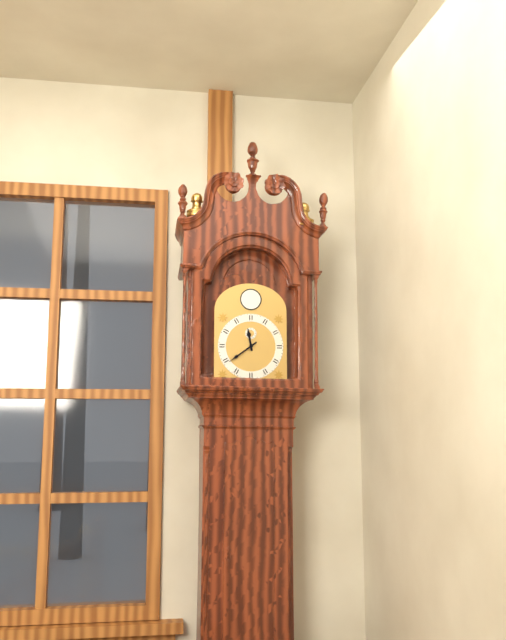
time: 11:39
